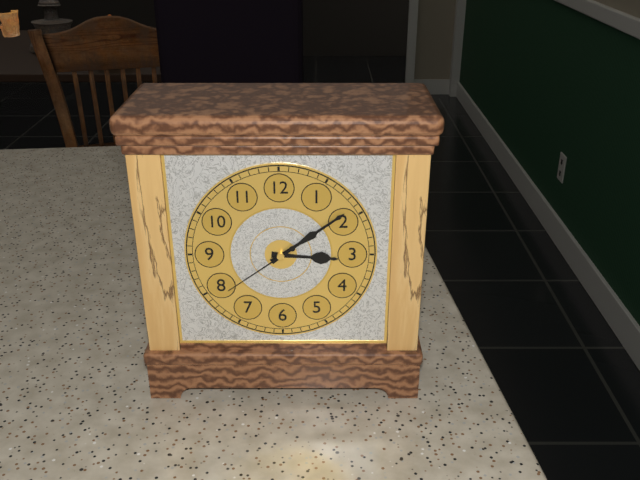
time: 3:09:39
